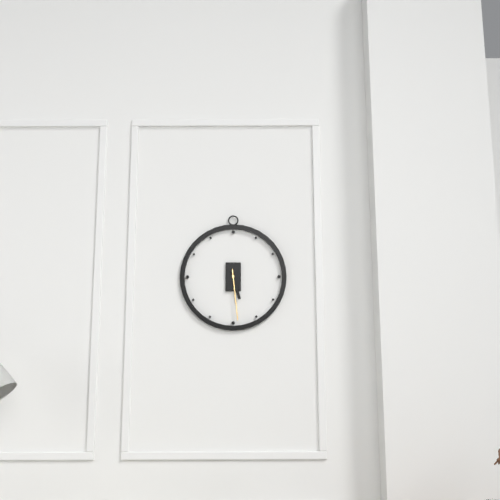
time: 5:29
